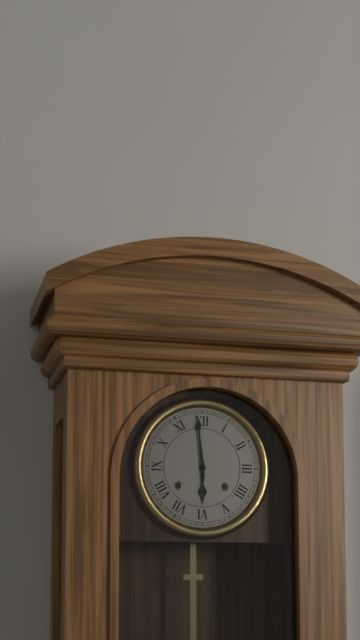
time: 5:59
